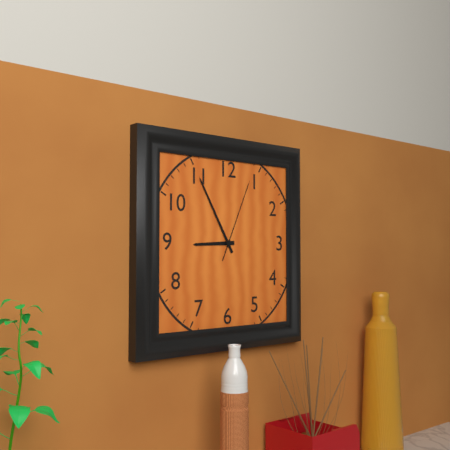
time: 8:55:04
